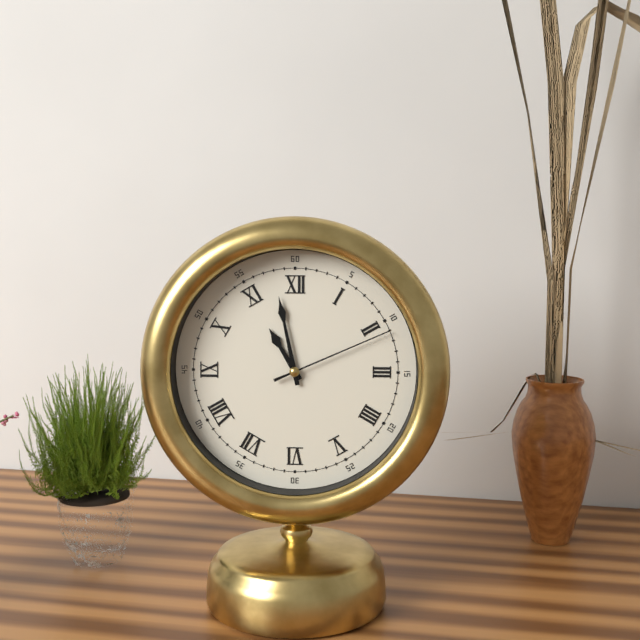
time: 10:58:11
